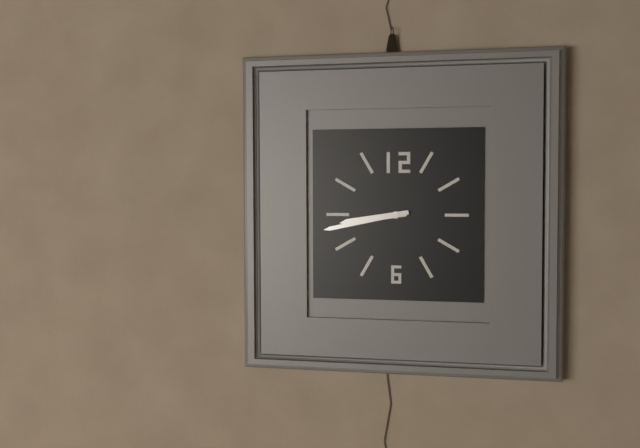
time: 8:43
